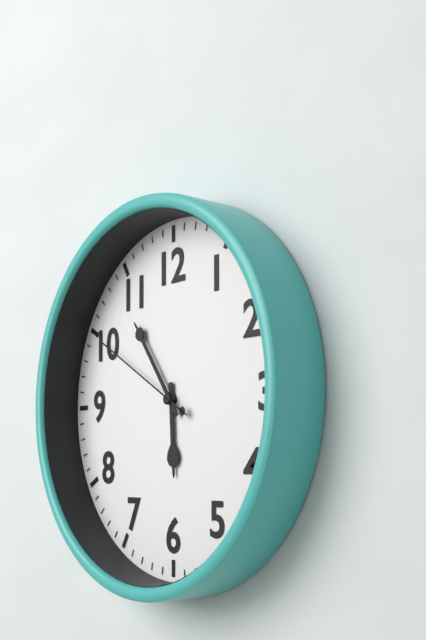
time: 5:54:50
